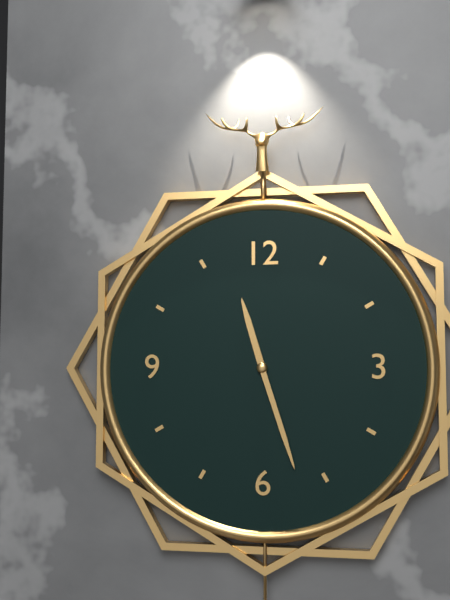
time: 11:27
